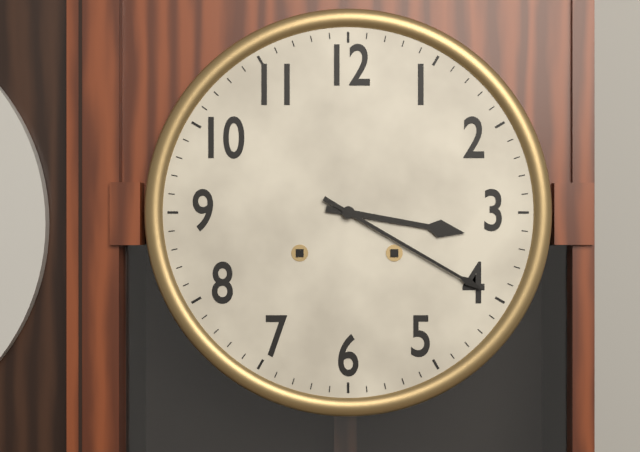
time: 3:20
